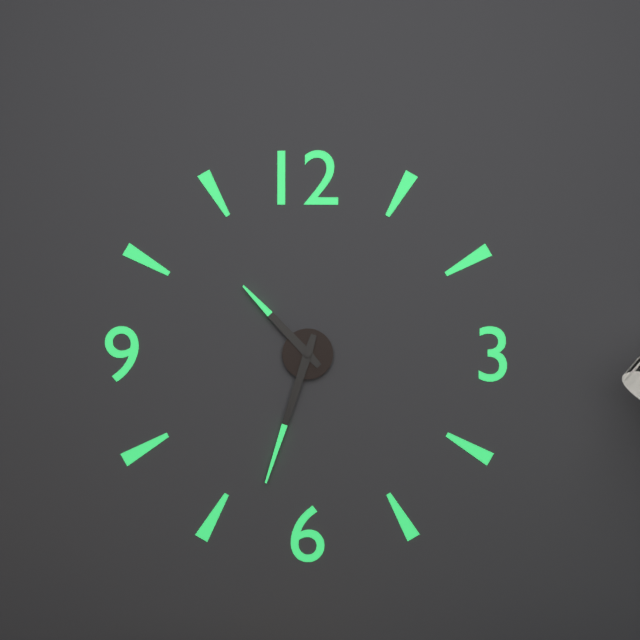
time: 10:33
